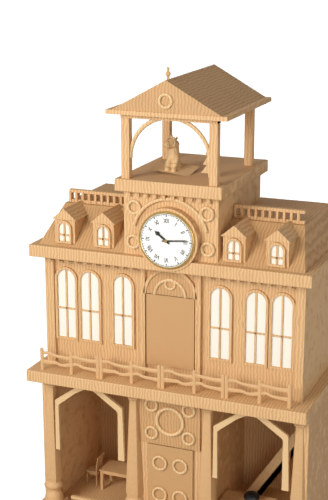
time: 10:14
